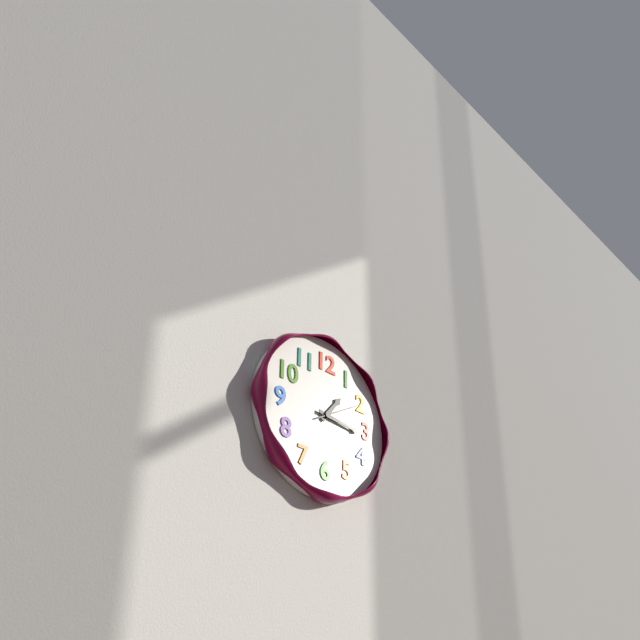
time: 1:16
